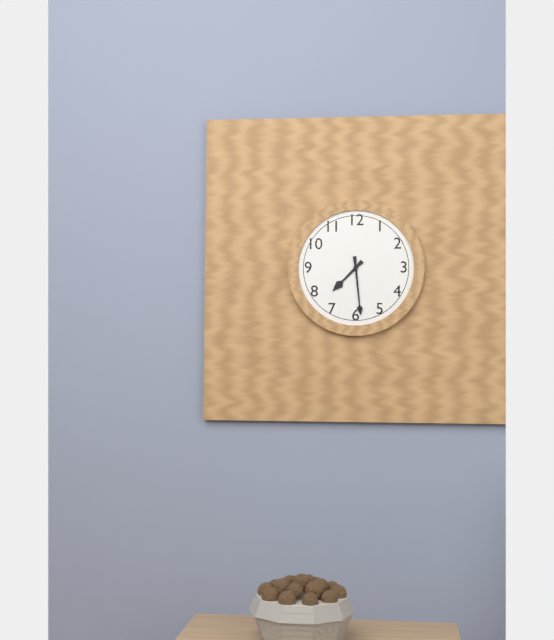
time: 7:29
